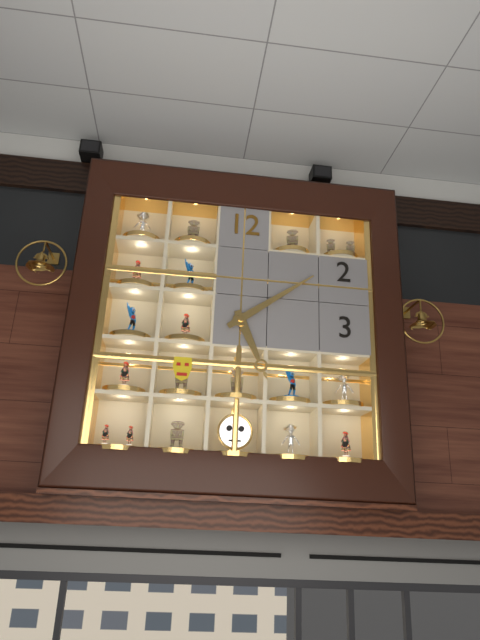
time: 5:09
